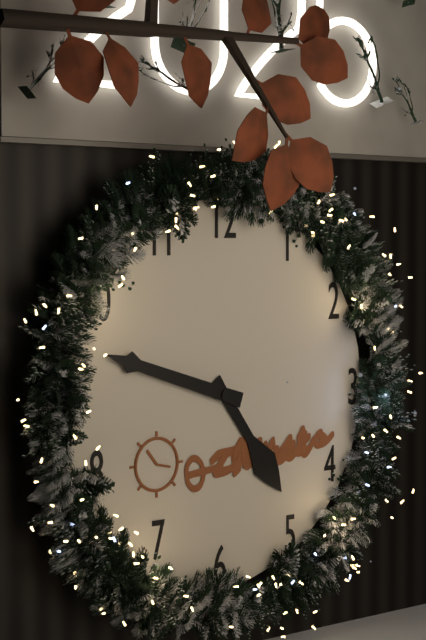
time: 4:48
